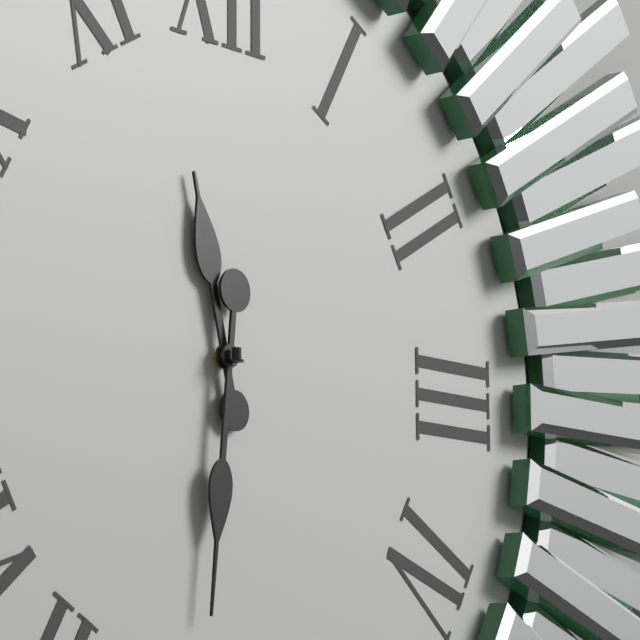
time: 11:31
